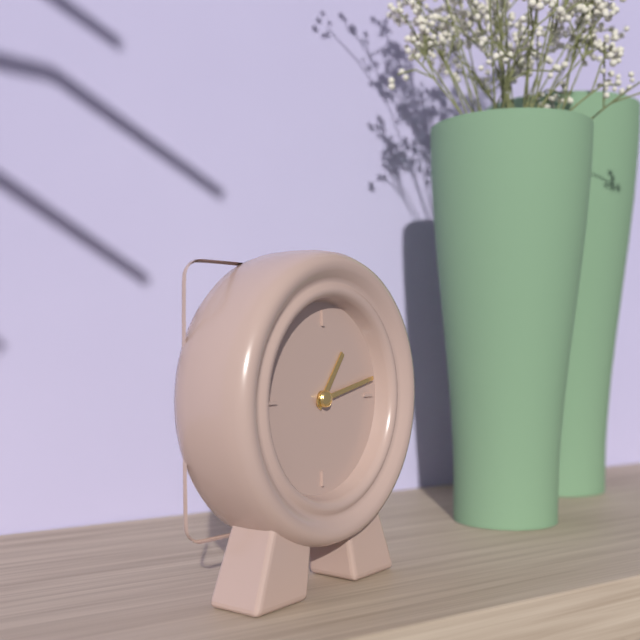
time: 1:13
